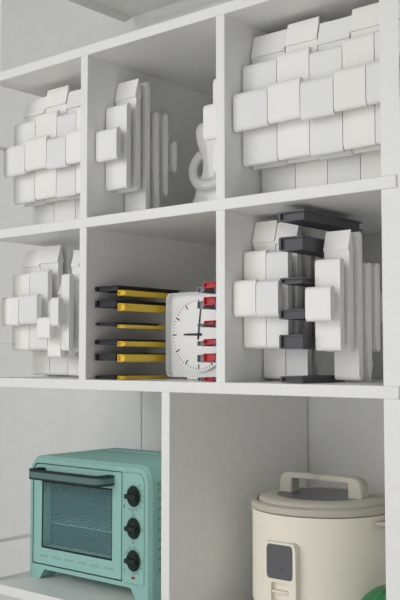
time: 9:01
